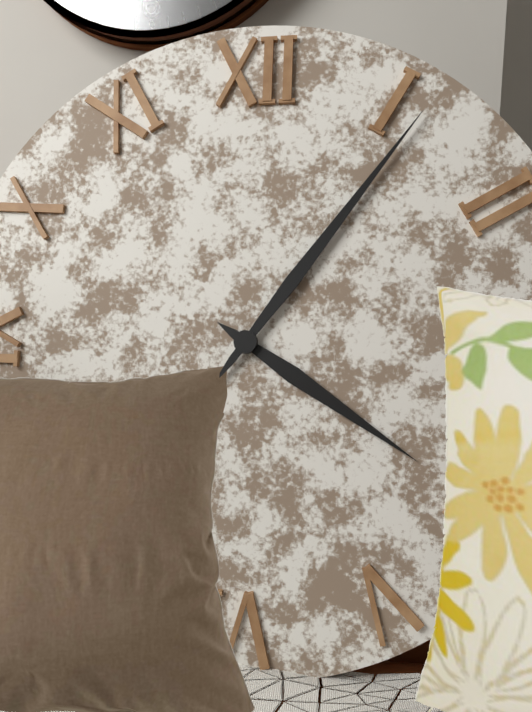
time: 4:06
